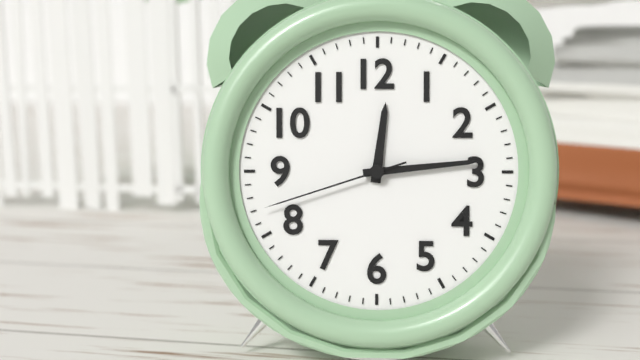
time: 12:14:42
